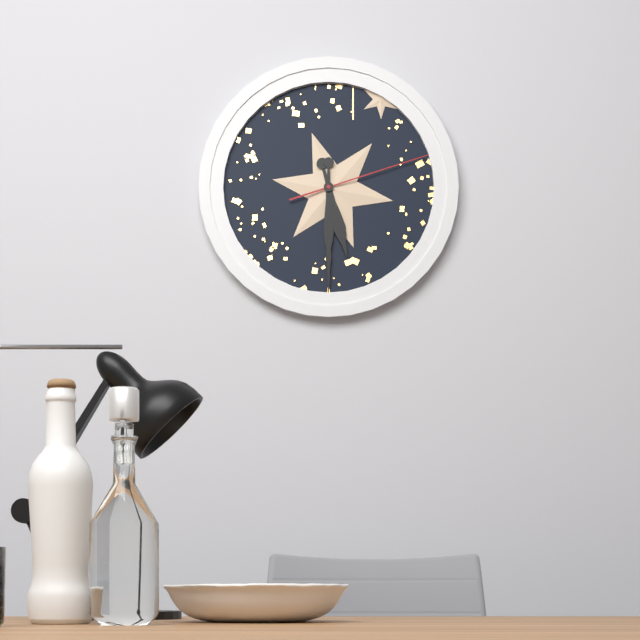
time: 5:30:12
